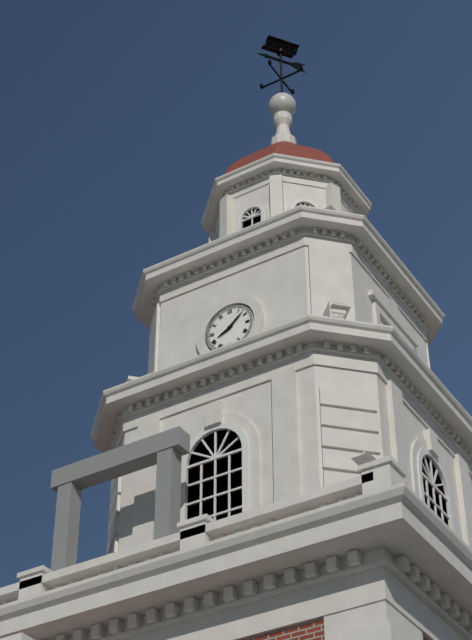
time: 8:08
